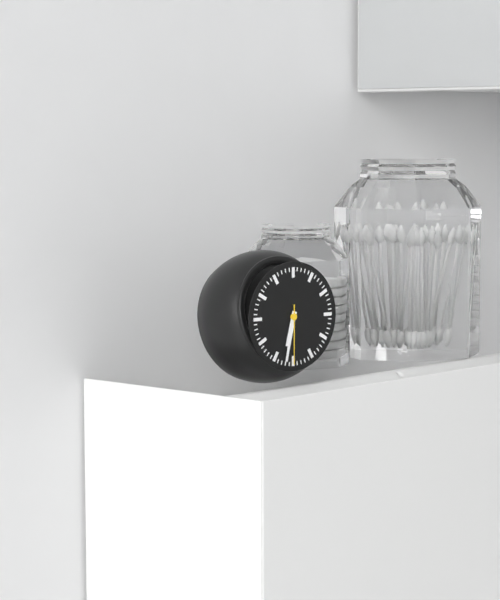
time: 6:32:30
